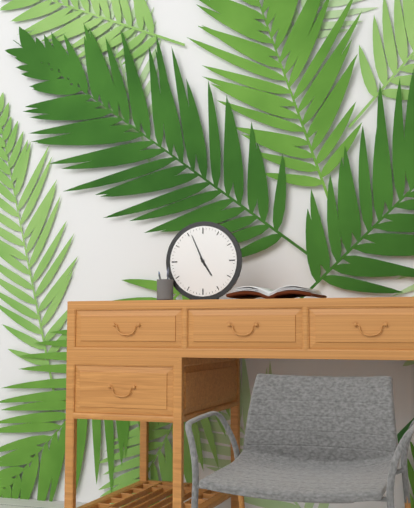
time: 4:56
